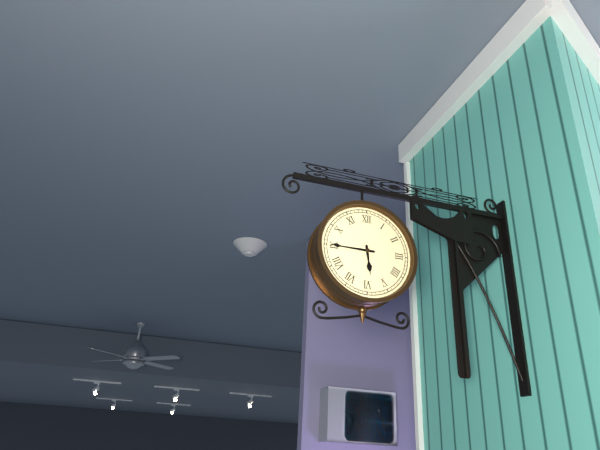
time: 5:45
